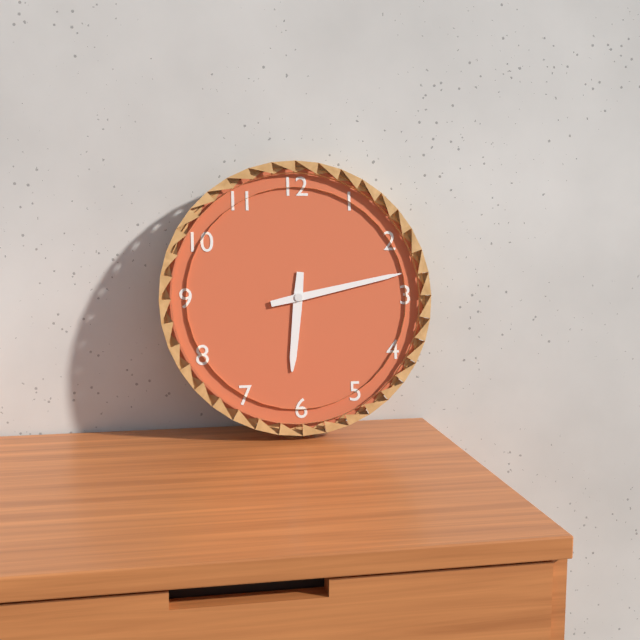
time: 6:13
